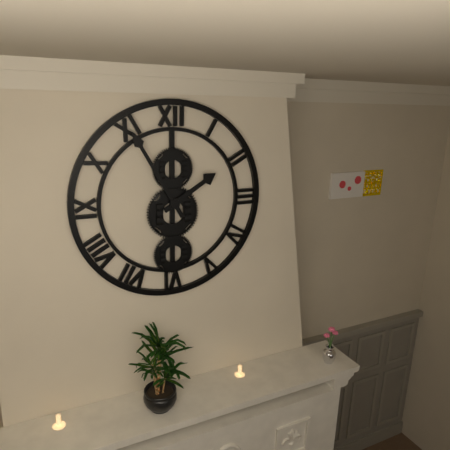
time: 1:55
